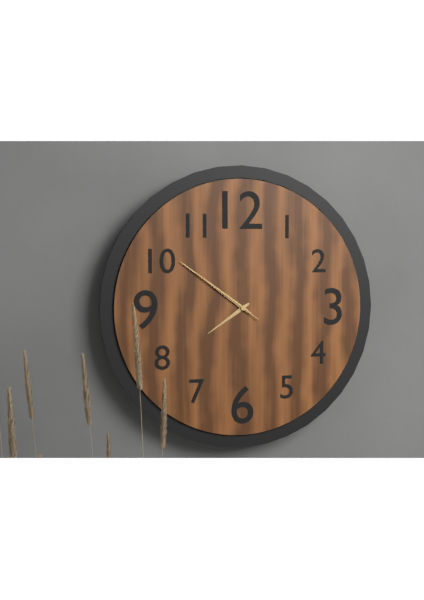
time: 7:51:51
